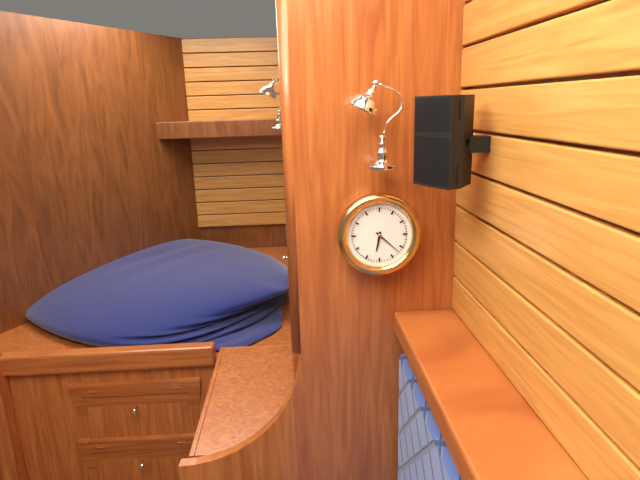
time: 6:22
